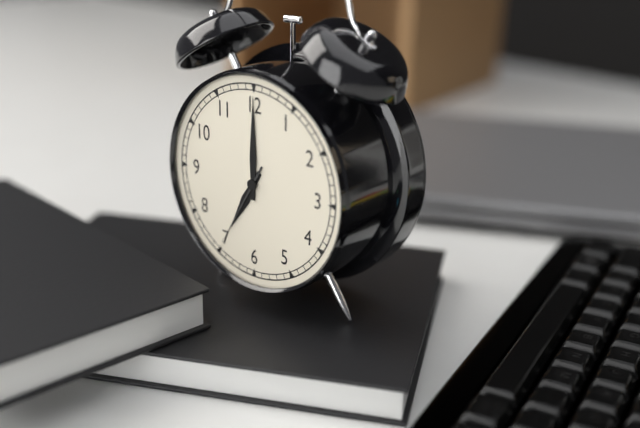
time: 7:00:35
